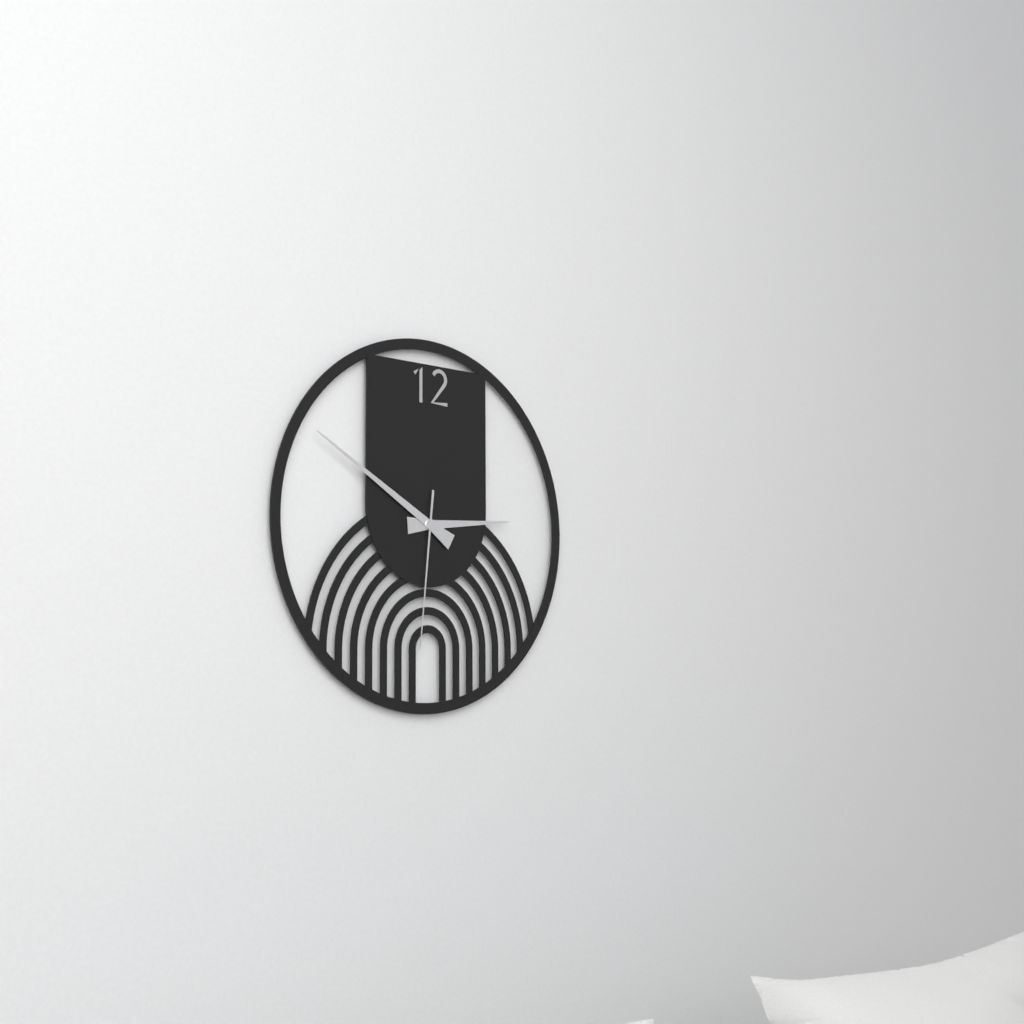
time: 2:50:31
